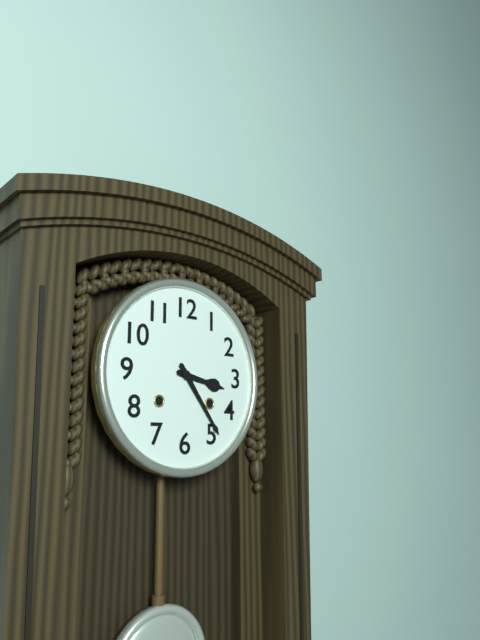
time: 3:24
